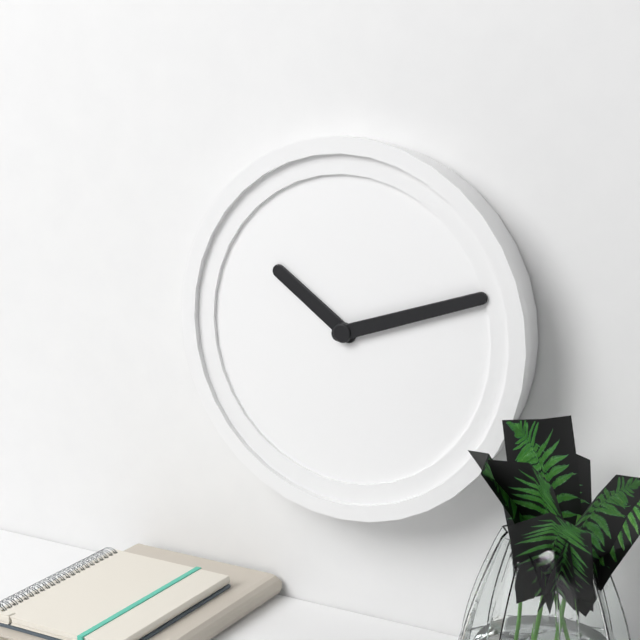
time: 10:12
